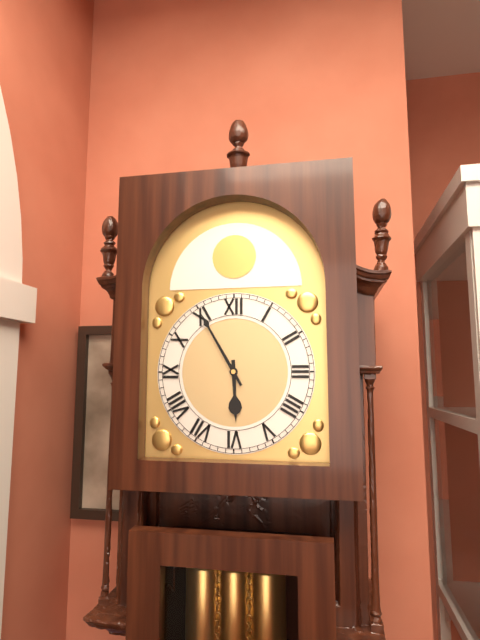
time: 5:55
